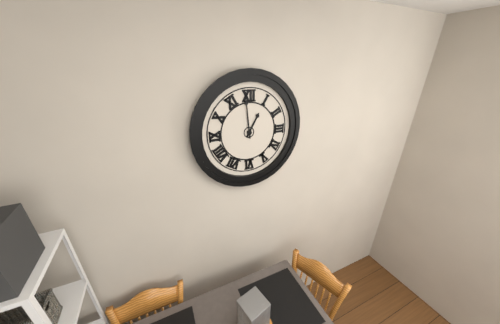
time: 12:59
